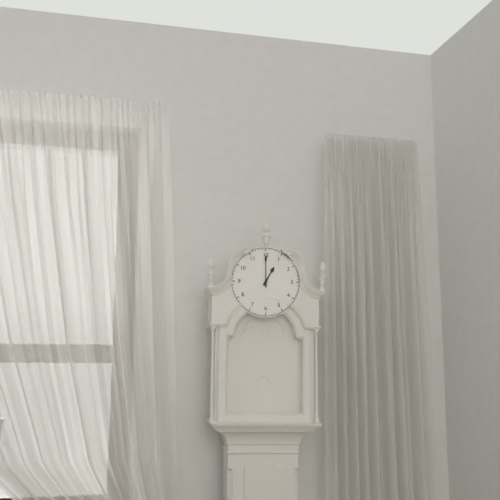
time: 1:00
